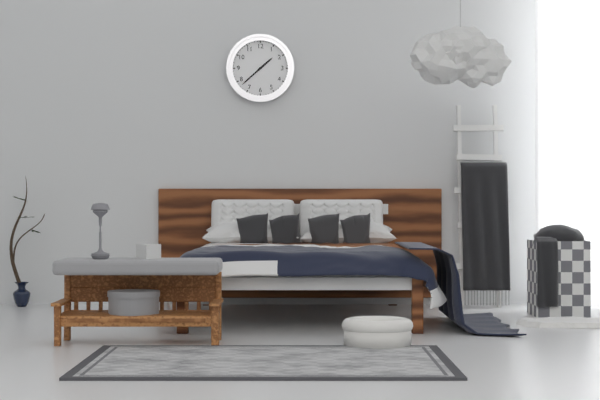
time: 1:38
